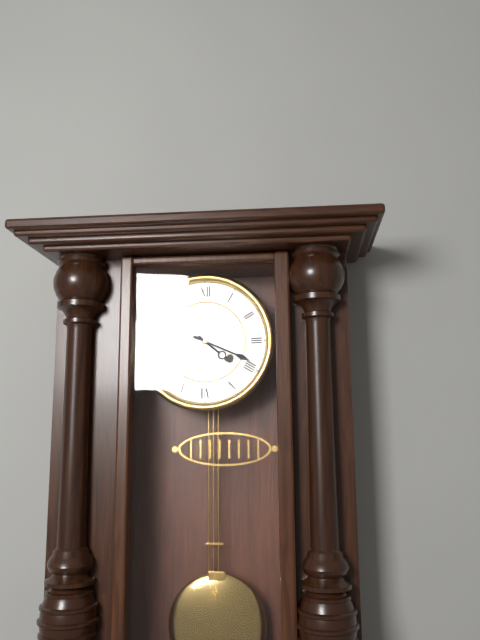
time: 4:19
